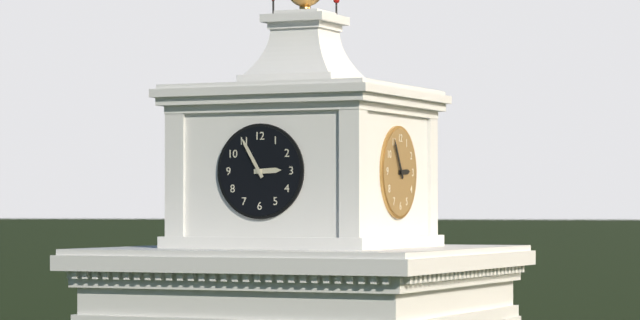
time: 2:55
